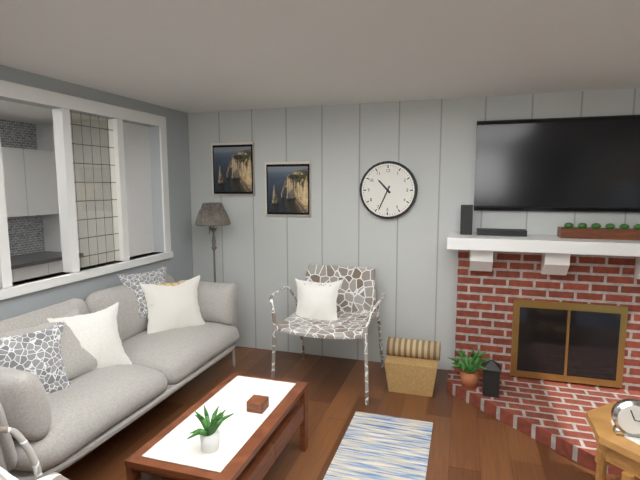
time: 10:34
